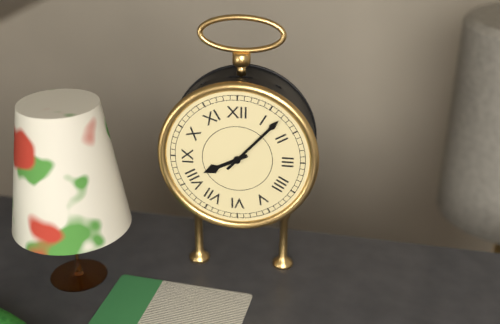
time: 8:07
